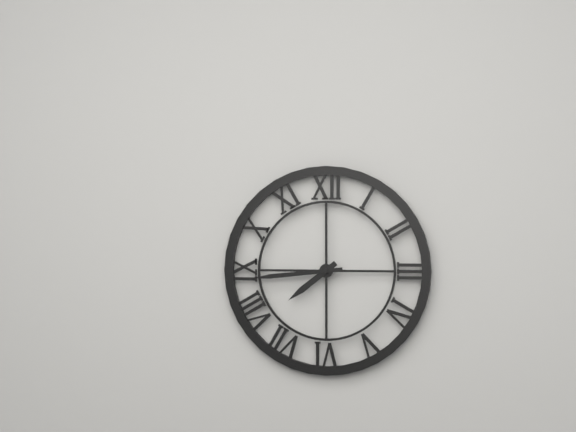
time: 7:44
